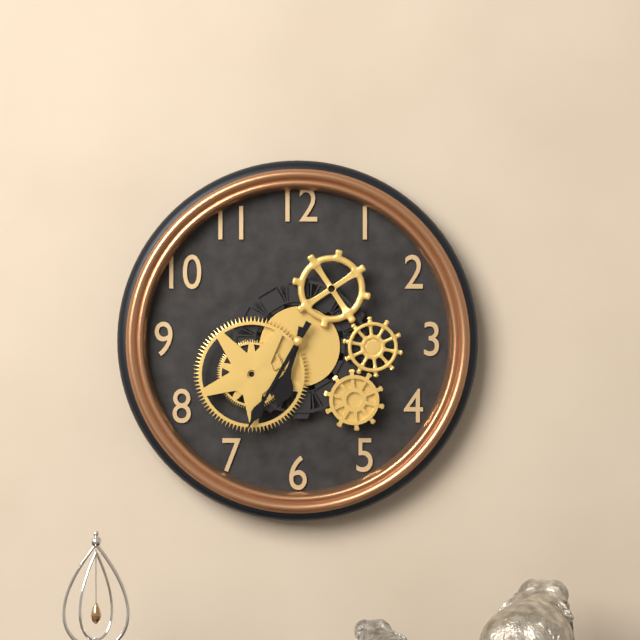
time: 6:35
